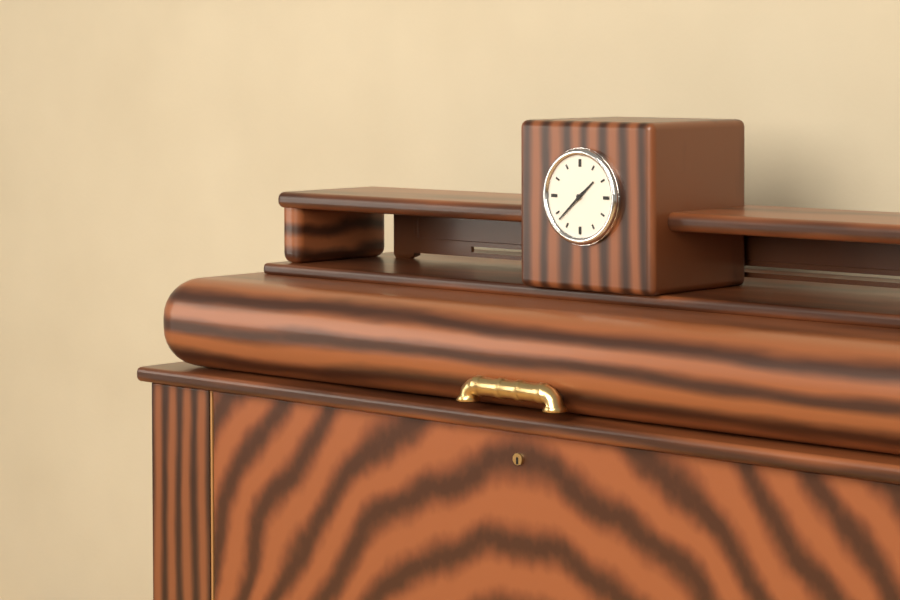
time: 1:38
